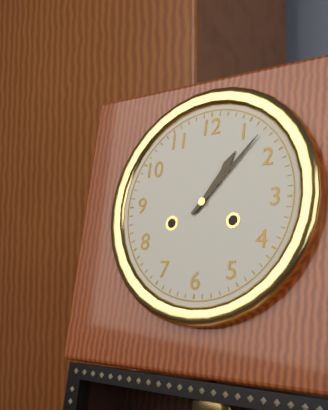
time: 1:07
